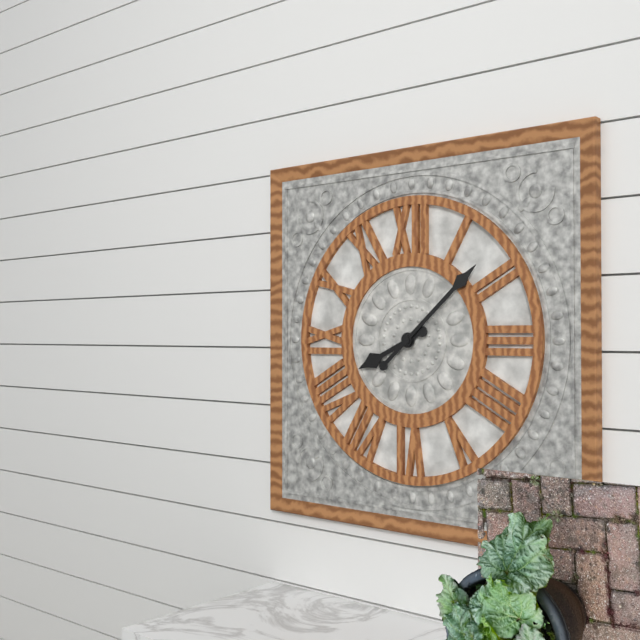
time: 8:08
